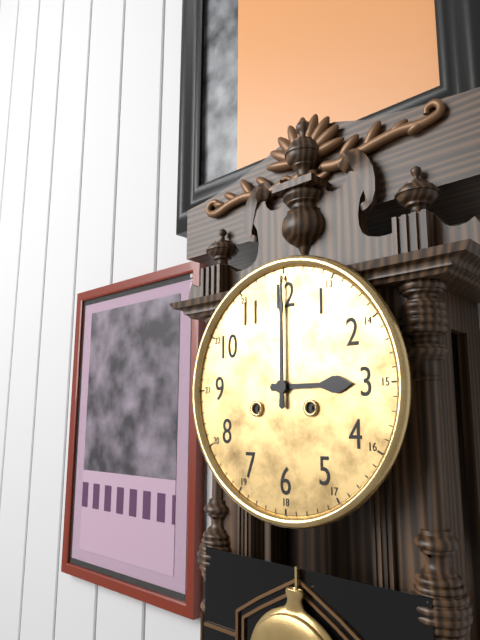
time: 3:00
